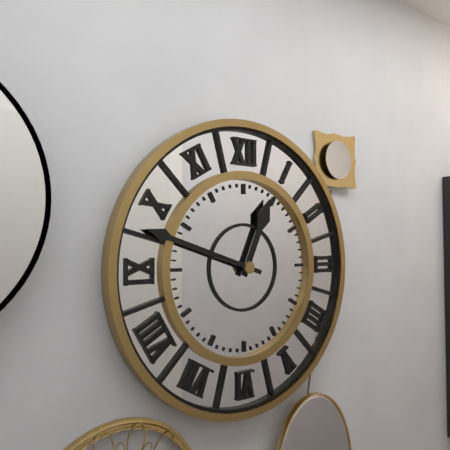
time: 12:48
